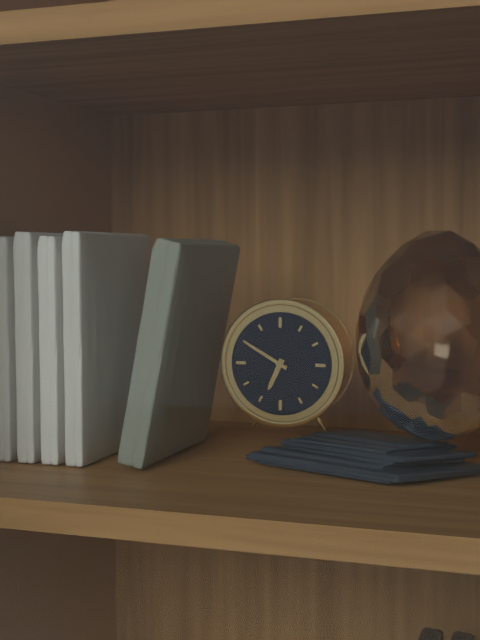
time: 6:50
